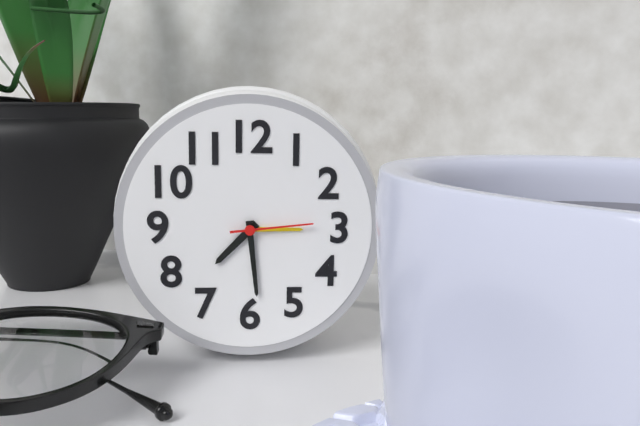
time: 7:29:14
